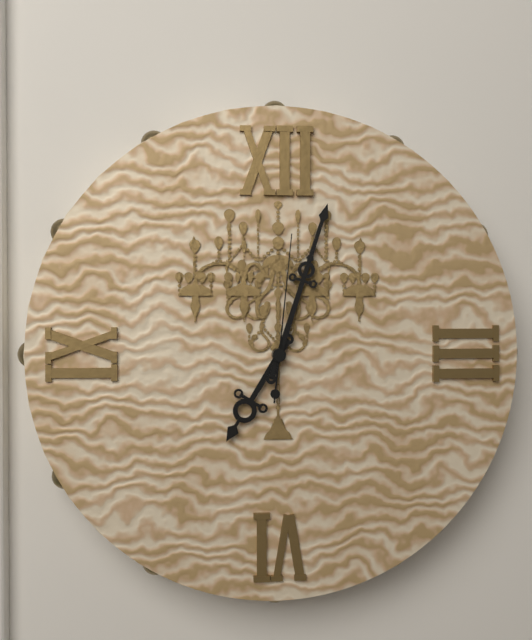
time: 7:03:01
